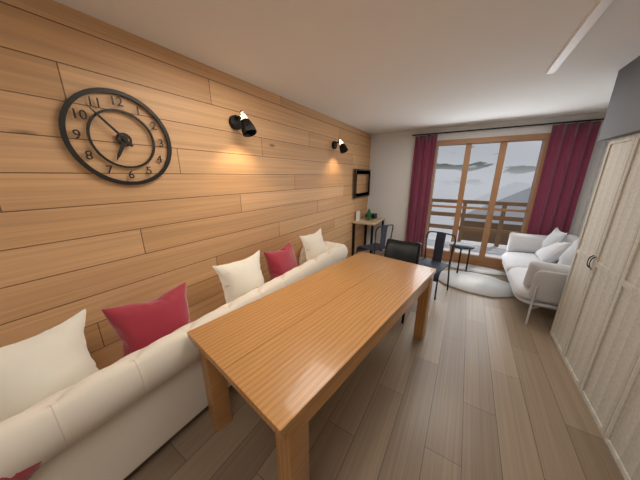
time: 6:53
